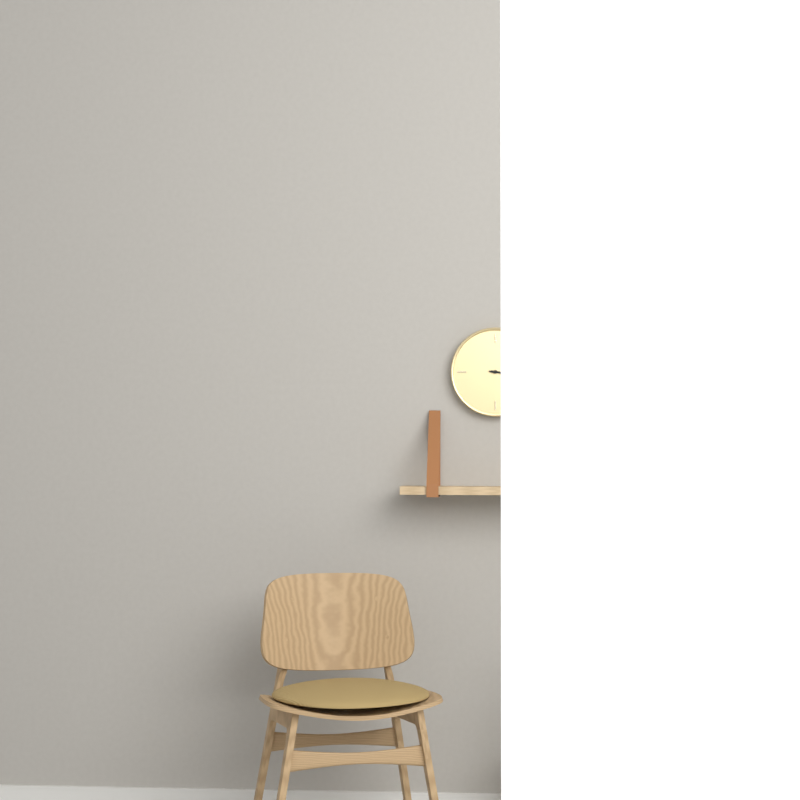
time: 3:16
